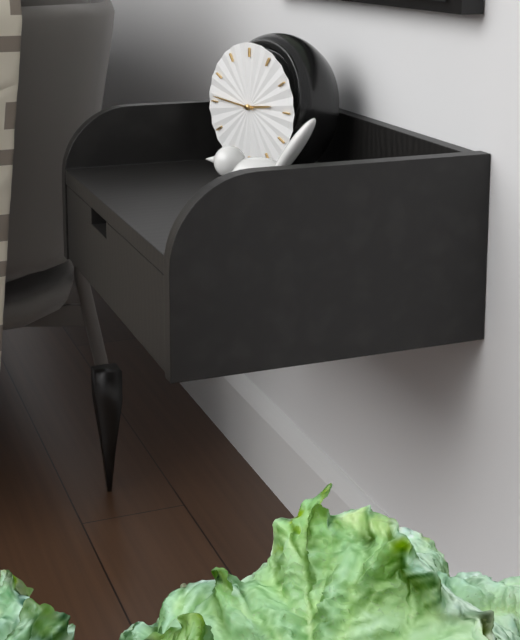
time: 2:46
